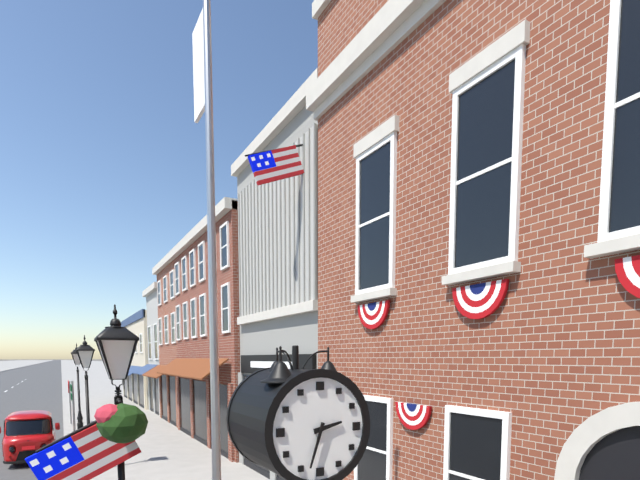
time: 2:33
